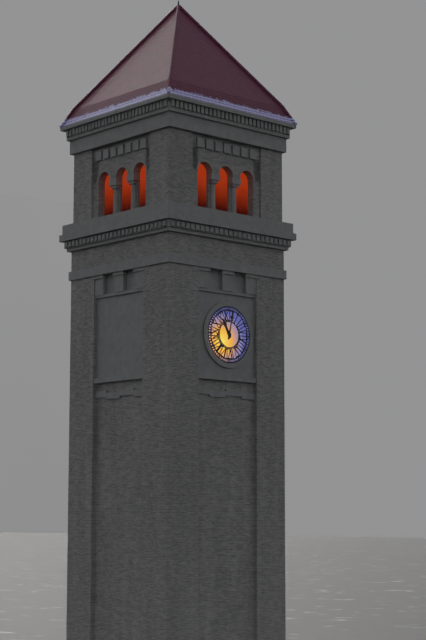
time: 11:02
